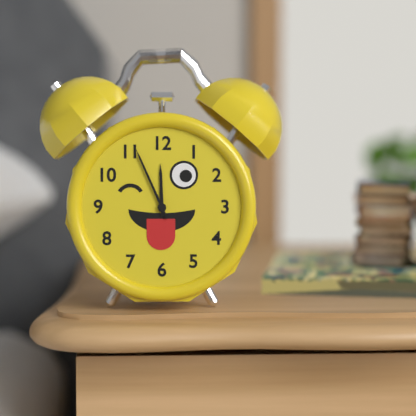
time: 11:56
